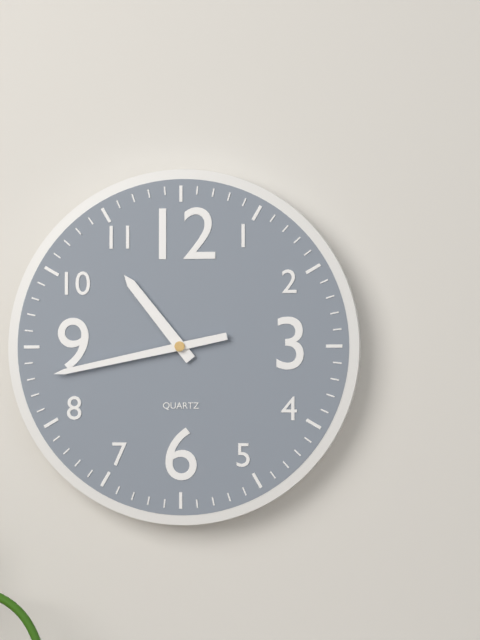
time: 10:43
